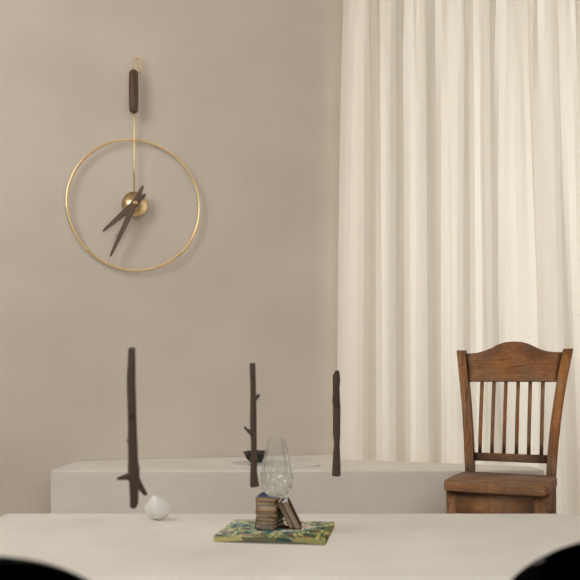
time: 7:34
